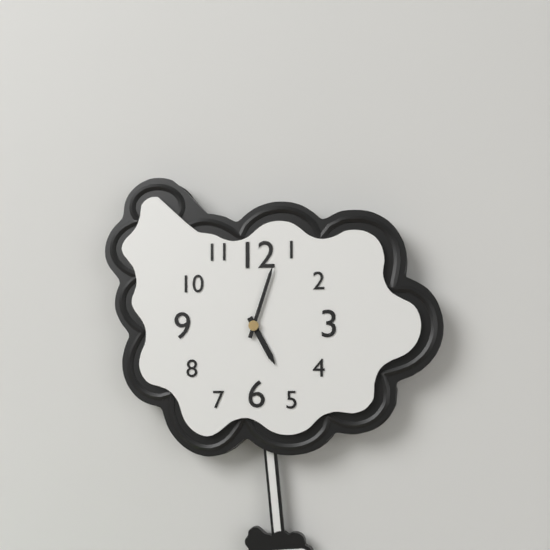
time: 5:03
